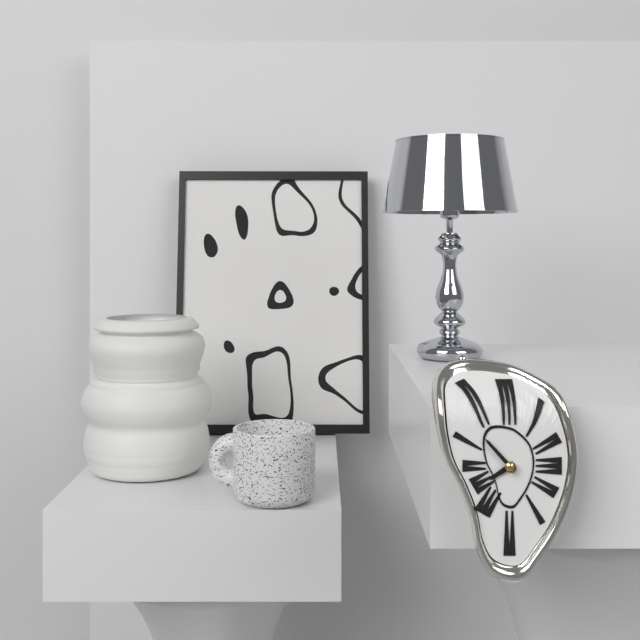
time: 7:53
